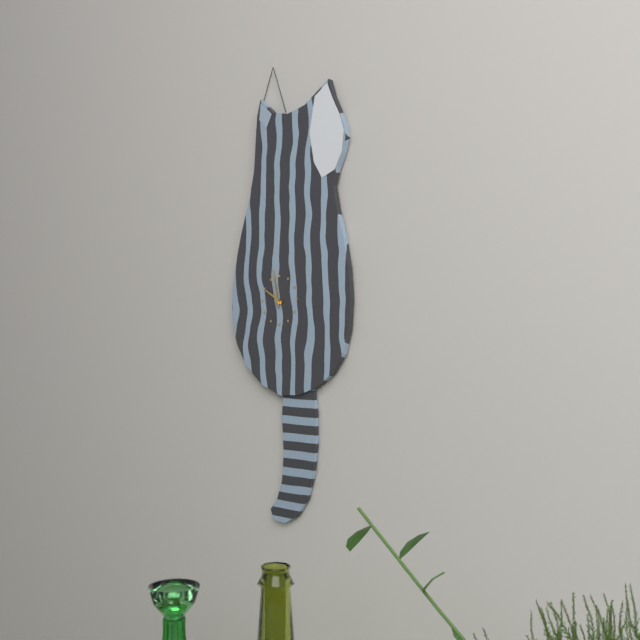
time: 9:58
